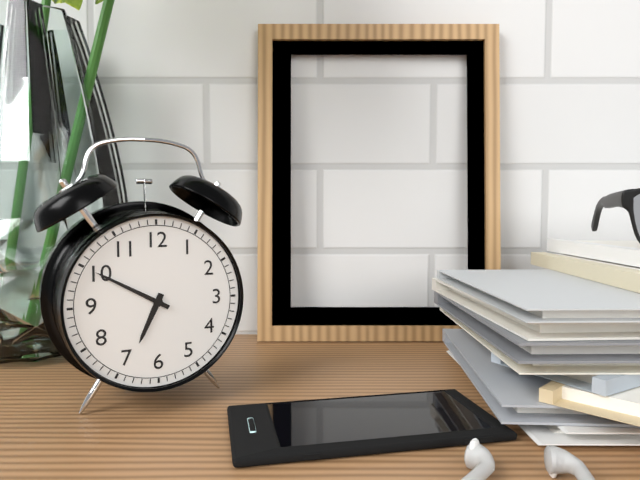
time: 6:50
